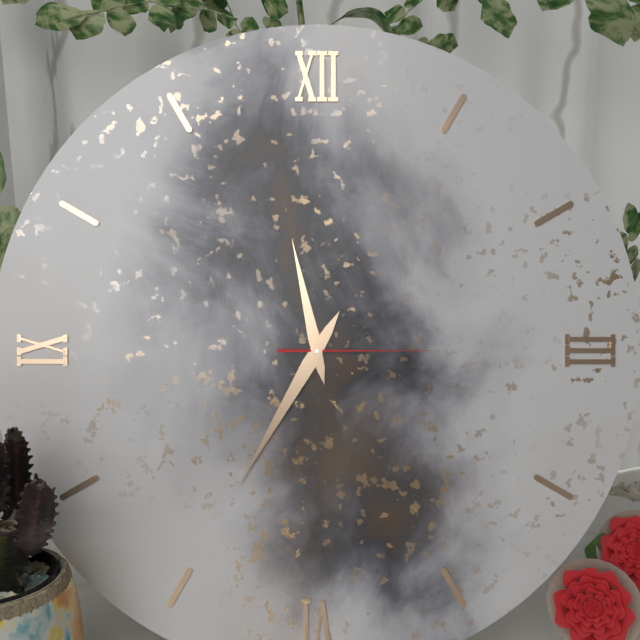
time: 11:35:15
